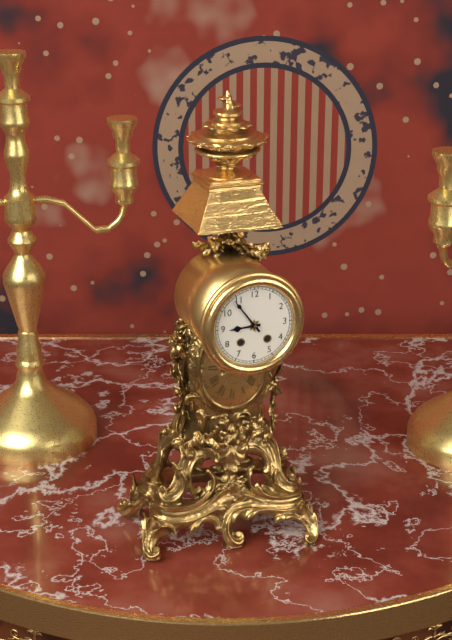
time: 8:54
